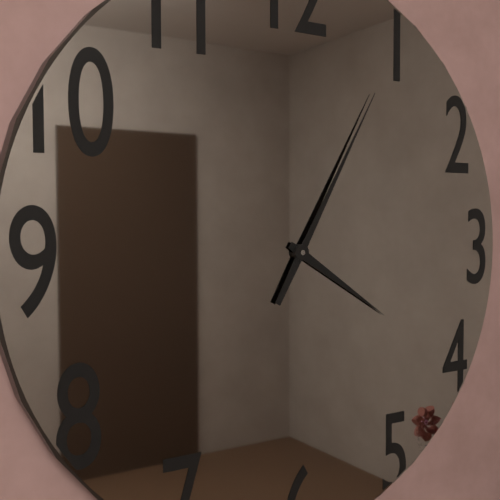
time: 4:05
